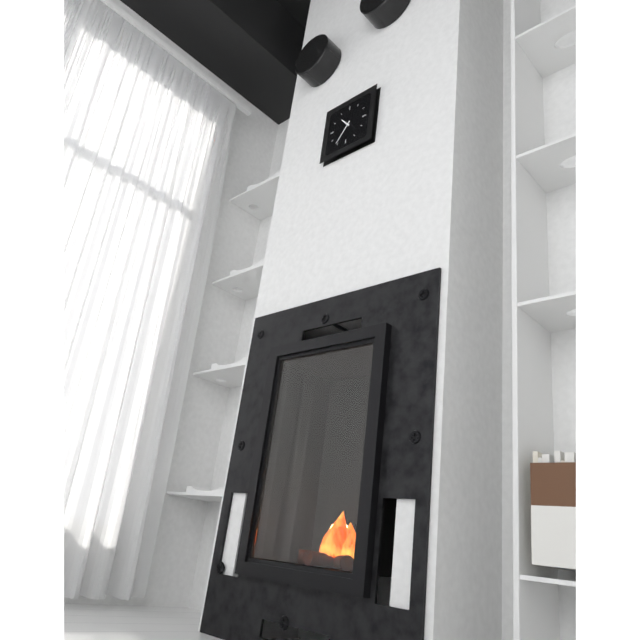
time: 10:36
